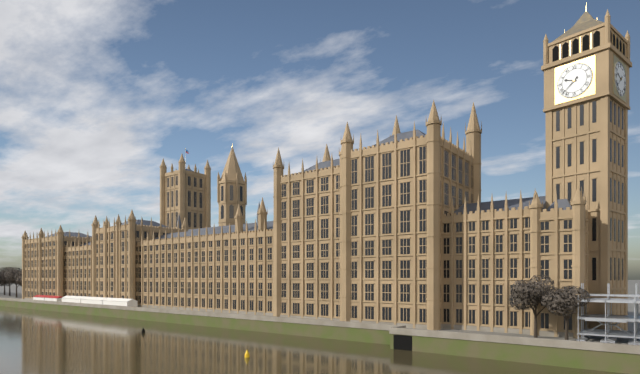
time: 9:38
